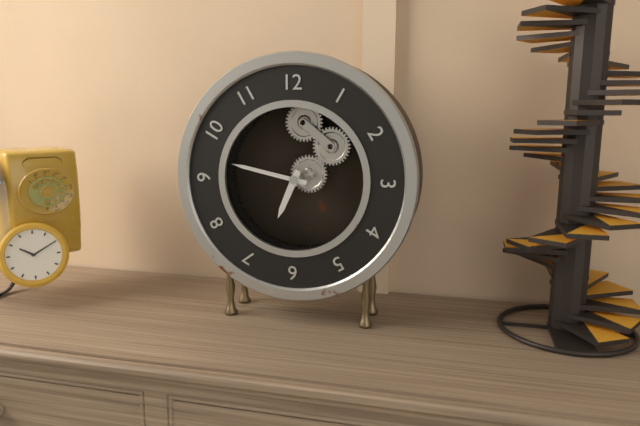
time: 6:47
